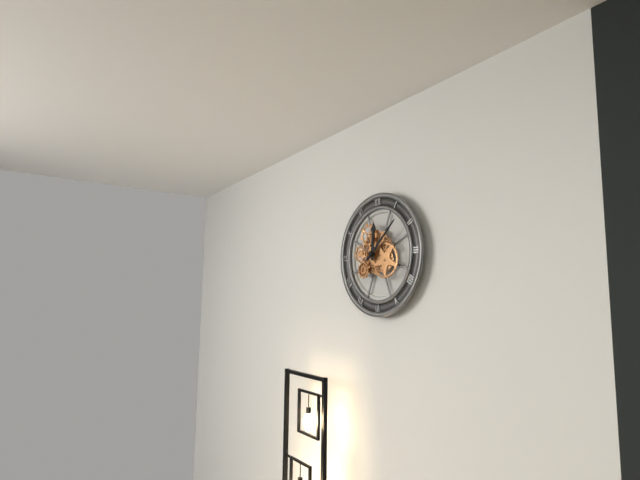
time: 12:08
